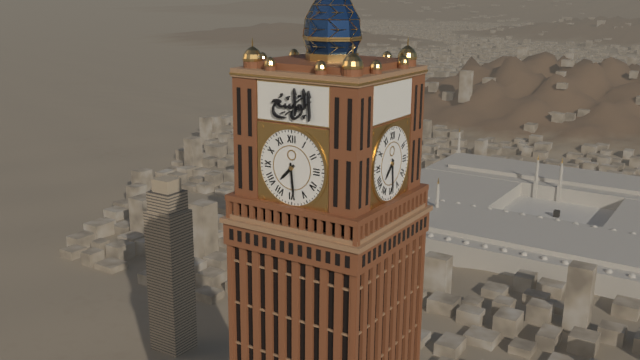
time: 7:29
